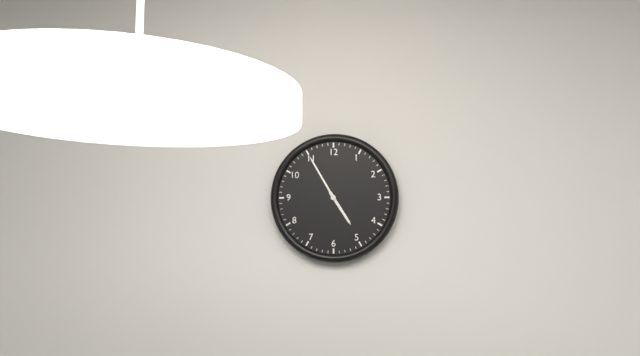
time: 4:55
